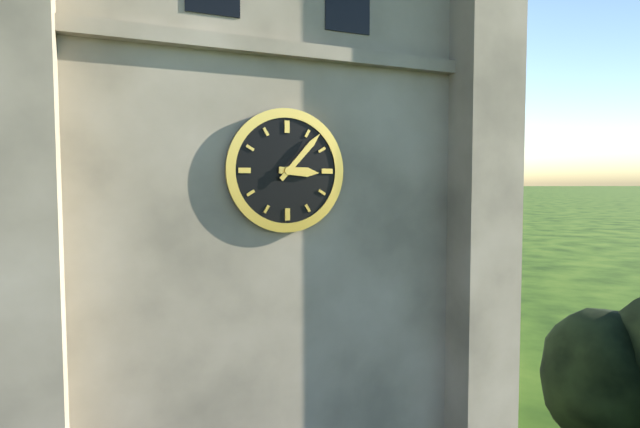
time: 3:07
